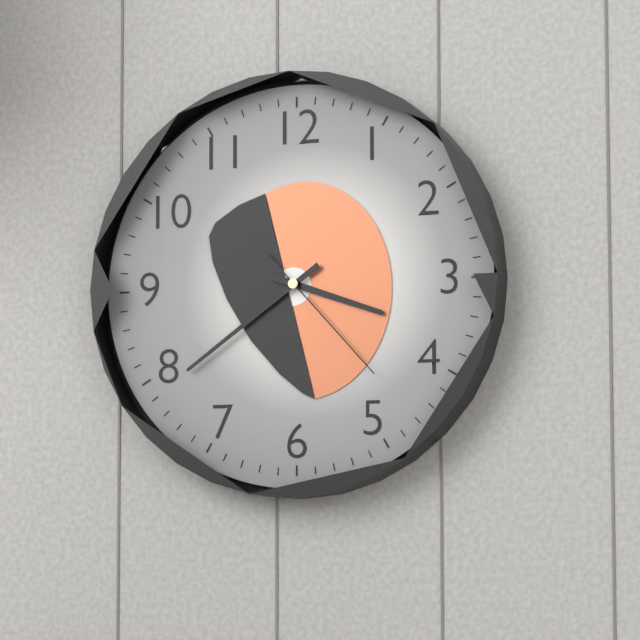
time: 3:39:23
